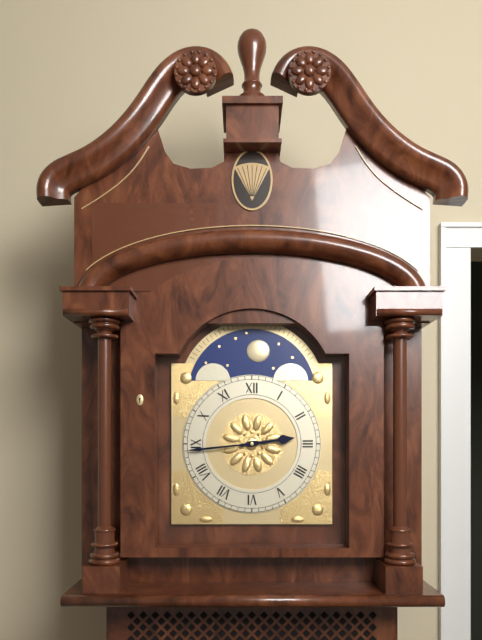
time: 2:44
